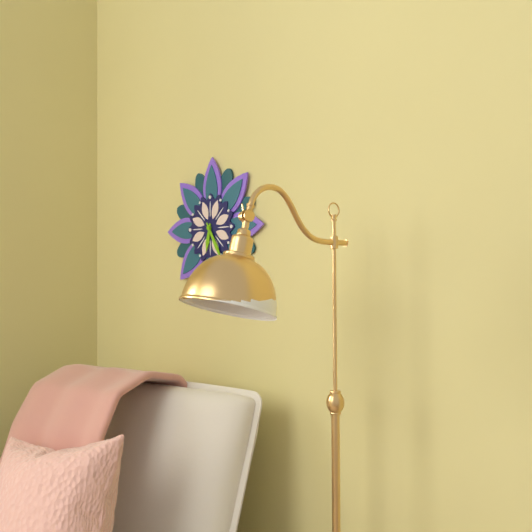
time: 6:25
